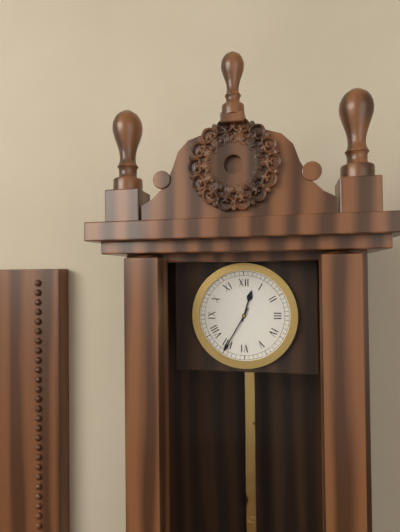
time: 12:35
